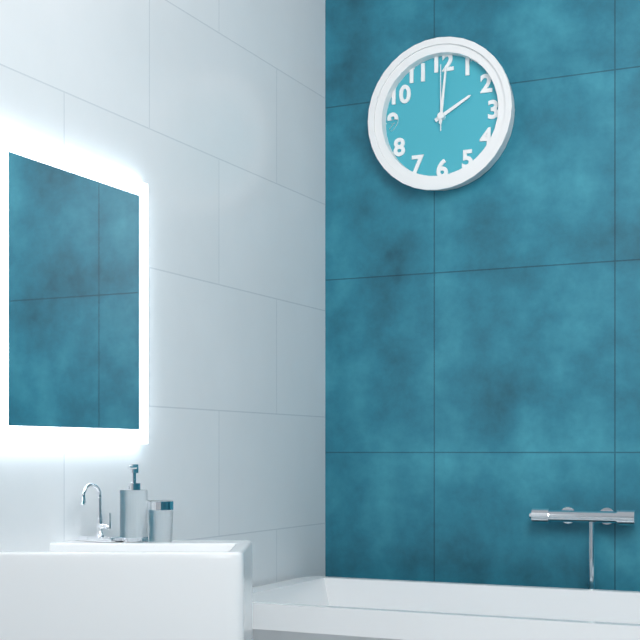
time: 2:01:00
